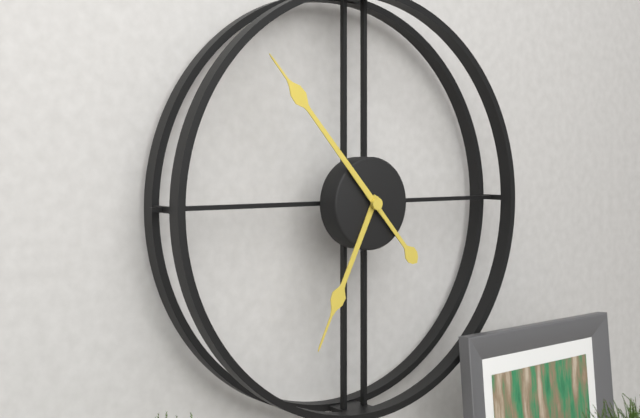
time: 6:53
